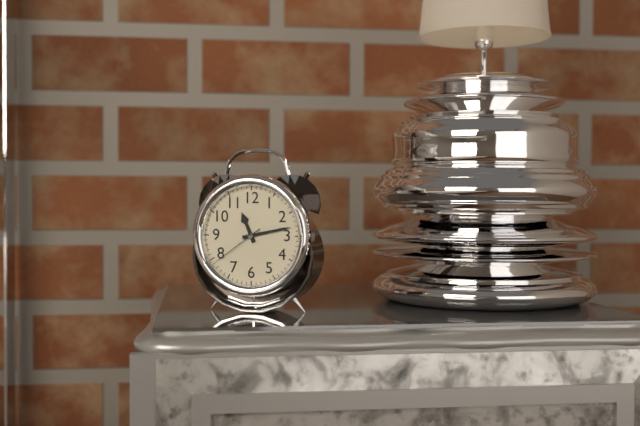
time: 11:13:39
